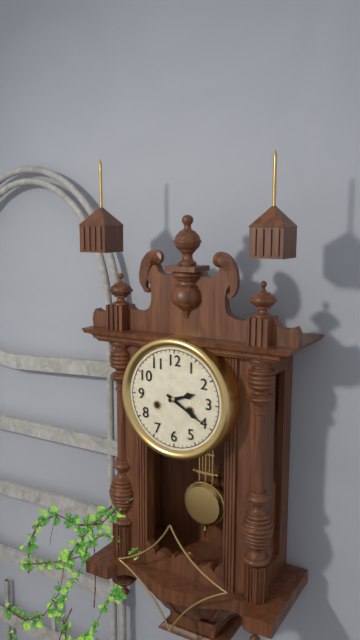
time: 2:20
